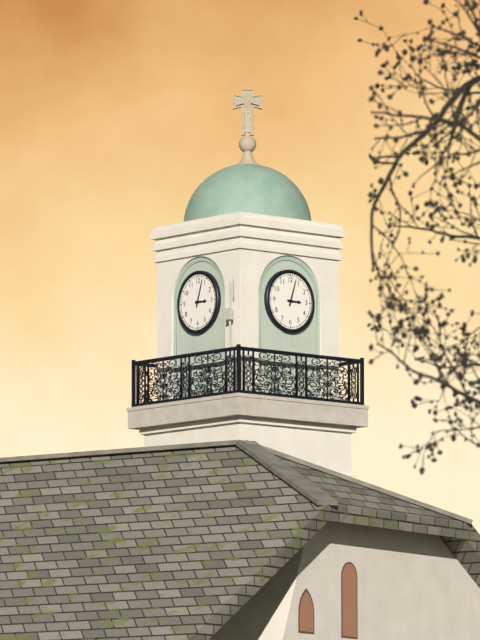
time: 3:03
